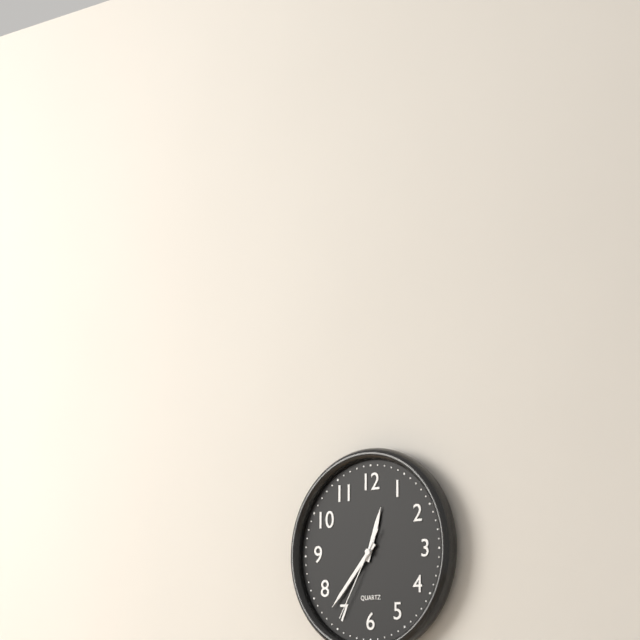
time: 12:37:35
